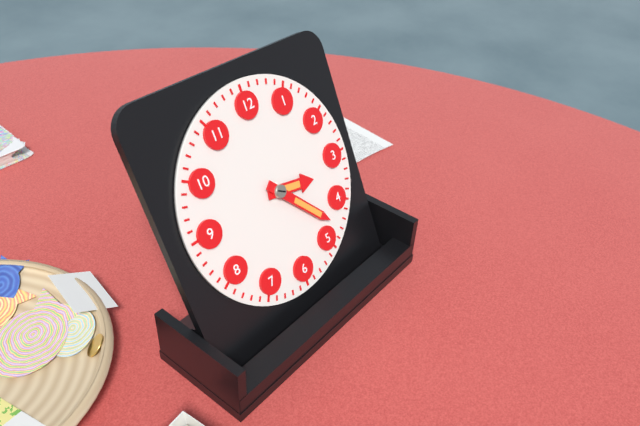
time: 3:23
